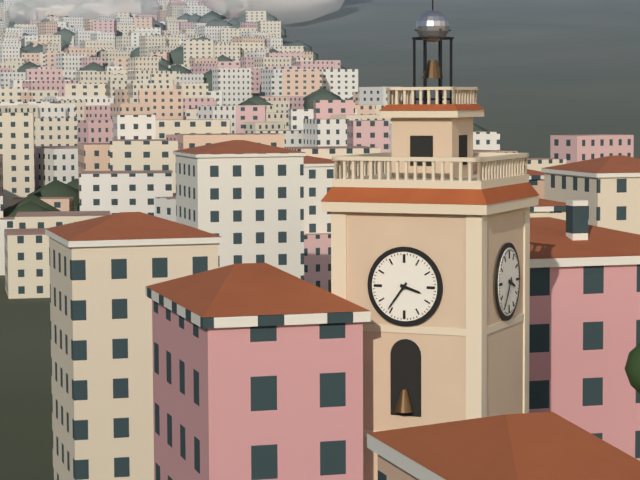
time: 3:36
